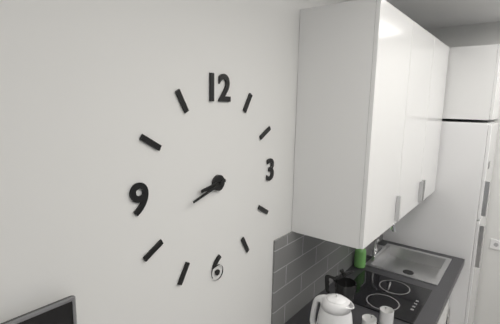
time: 8:42
